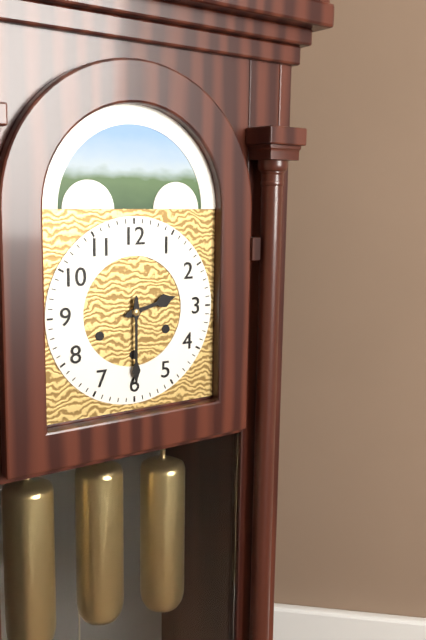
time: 2:30
